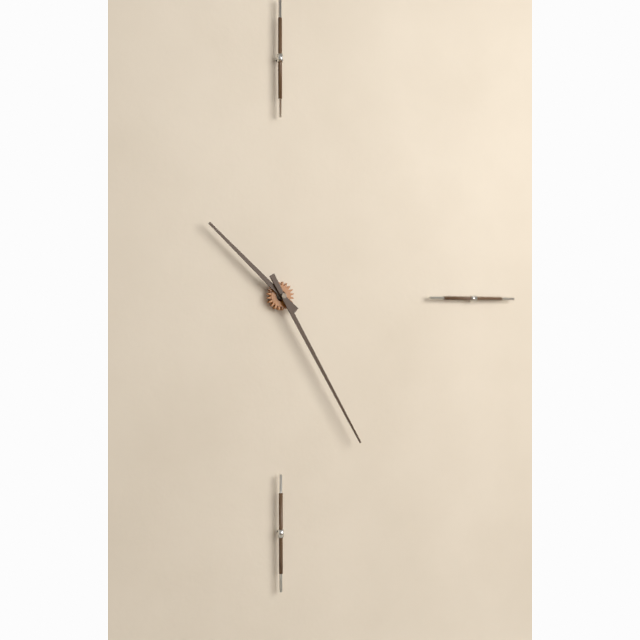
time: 10:25
